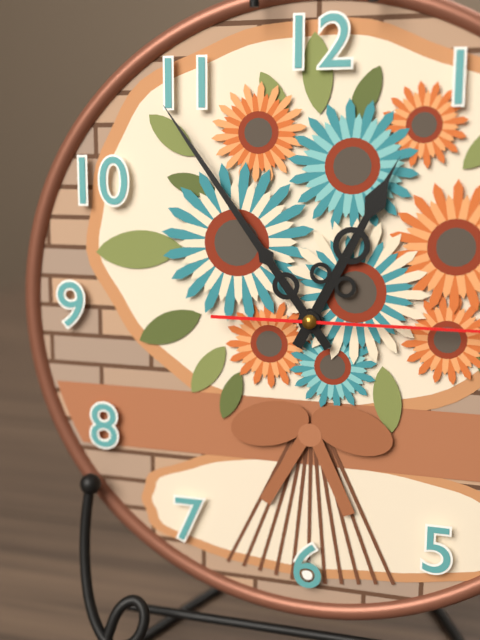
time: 12:54
